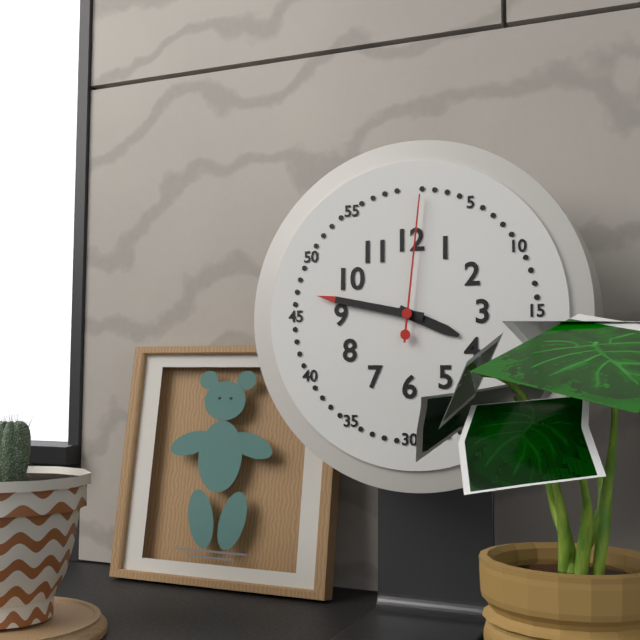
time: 3:47:01
